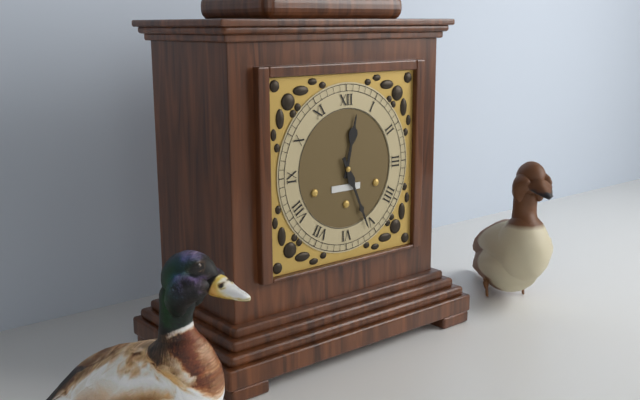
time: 12:26
